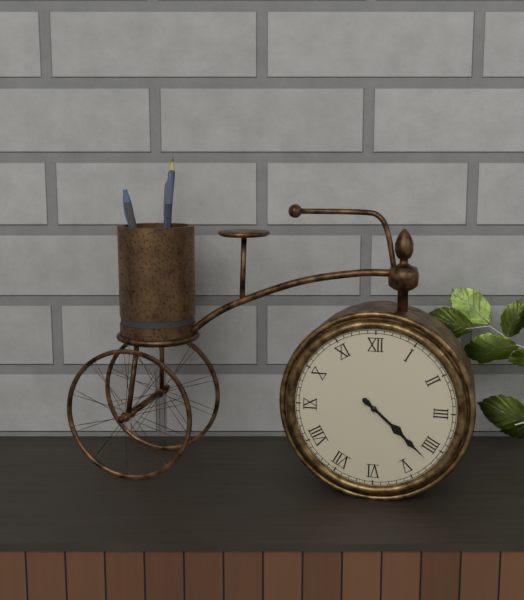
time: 4:22
